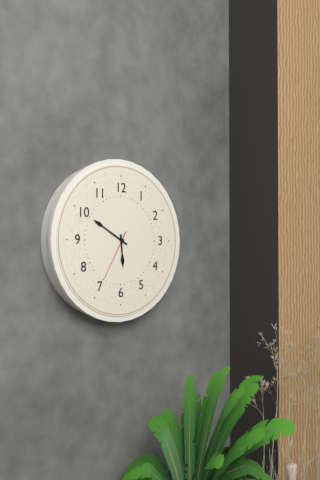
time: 5:50:35
